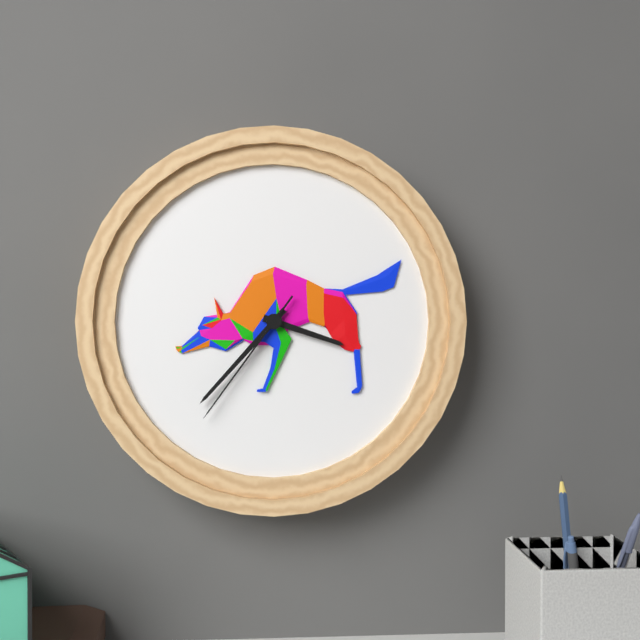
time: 3:37:36
